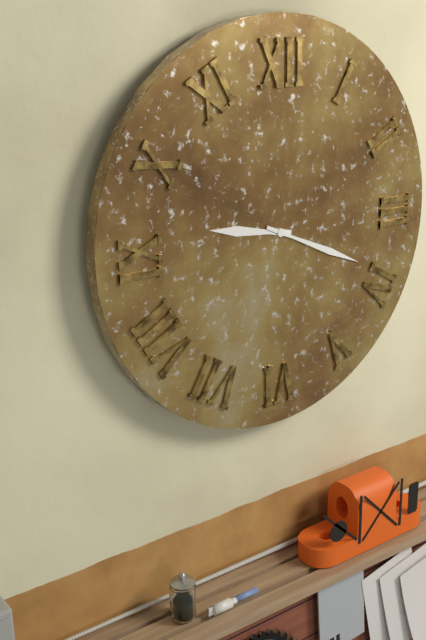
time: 9:19
